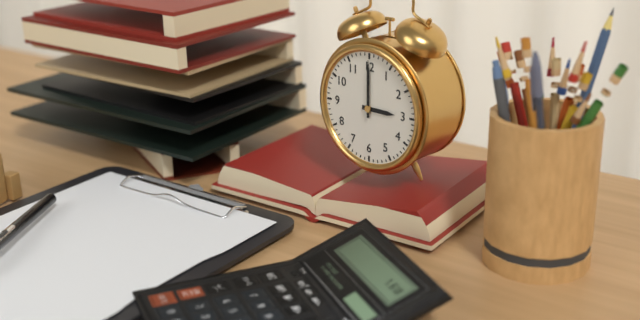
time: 3:00
